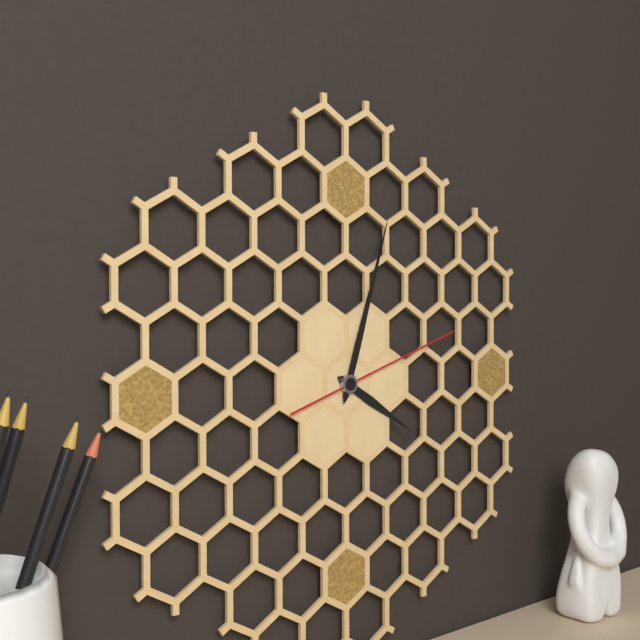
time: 4:03:12
